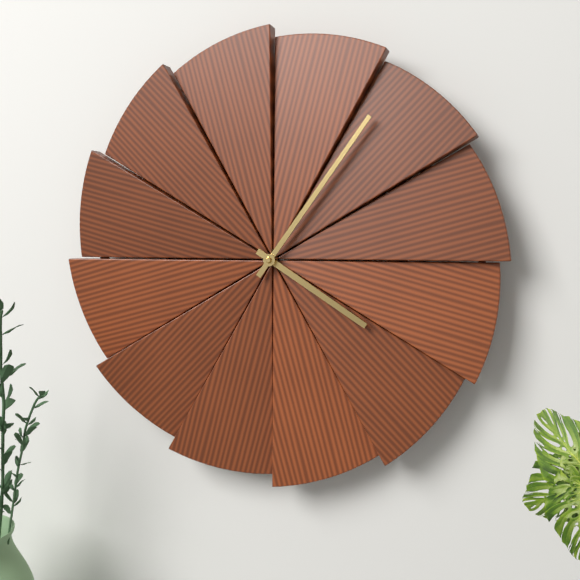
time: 4:06
